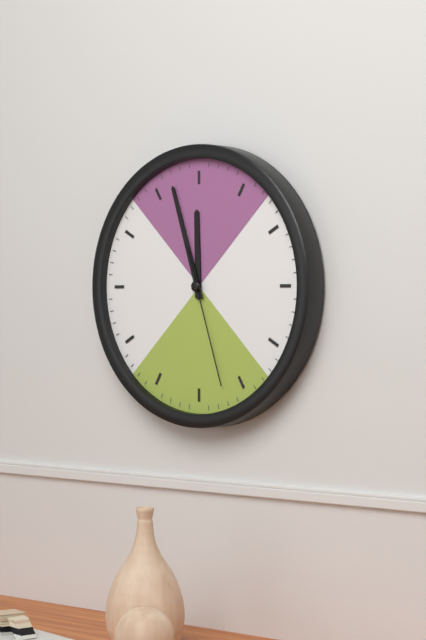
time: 11:57:27
